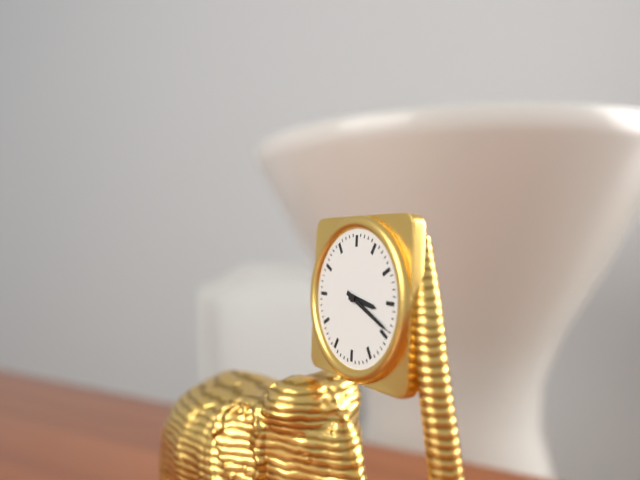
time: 3:19
